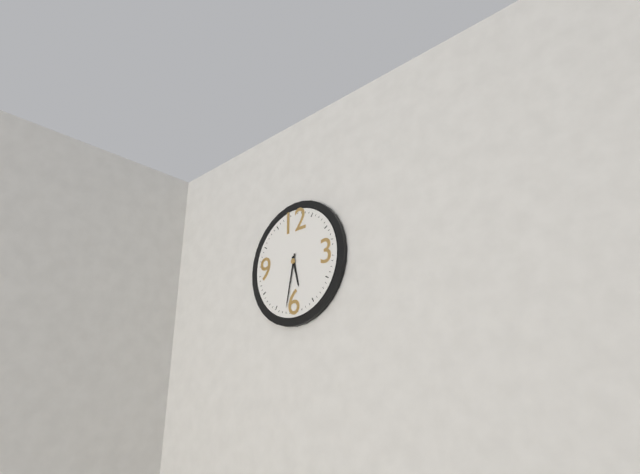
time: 5:32
